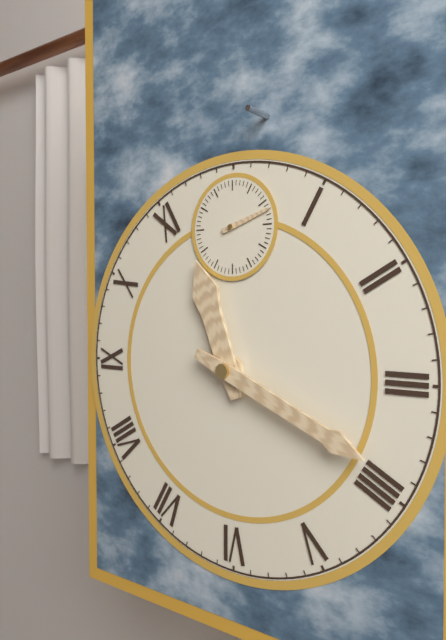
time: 11:19:12
